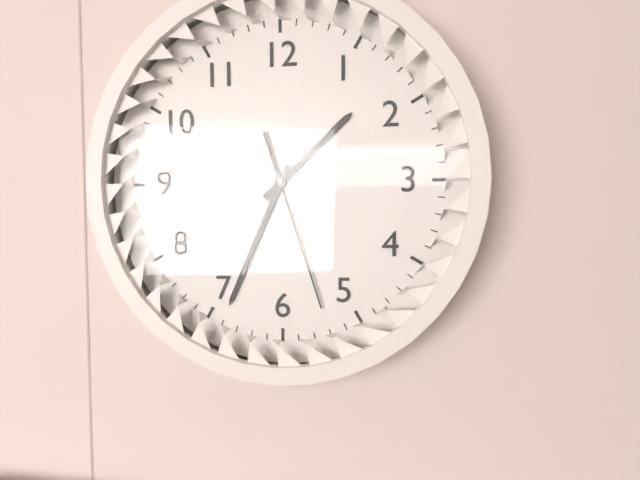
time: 1:34:27
